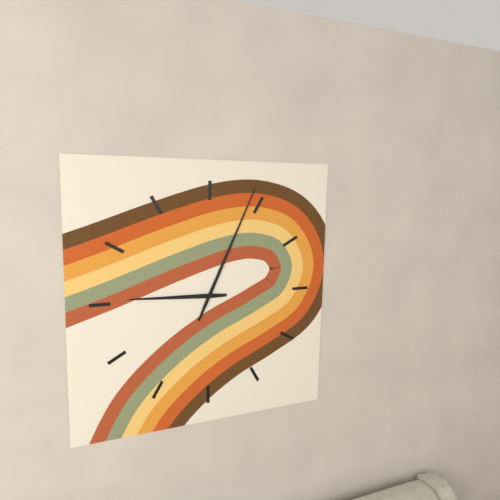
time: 9:04
